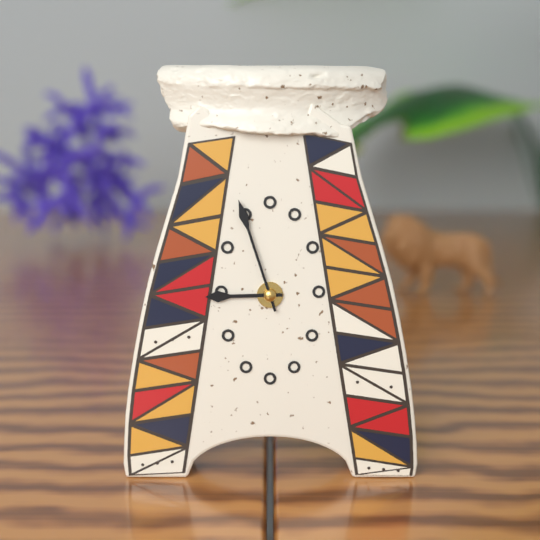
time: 8:57
